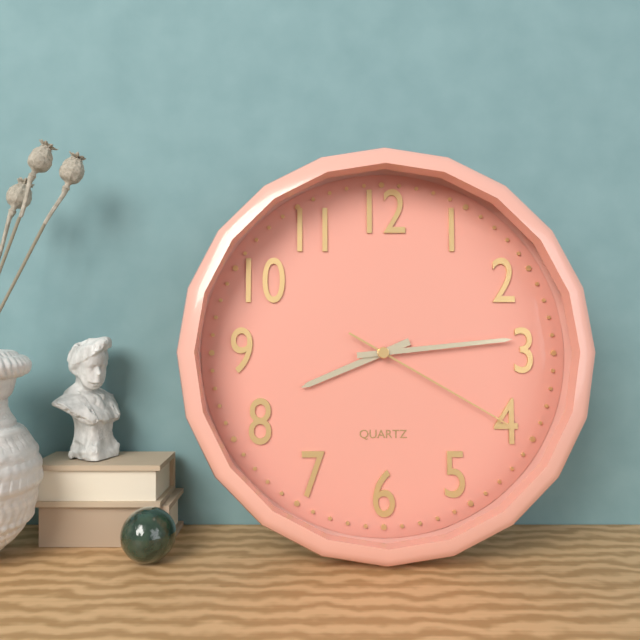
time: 8:14:20
